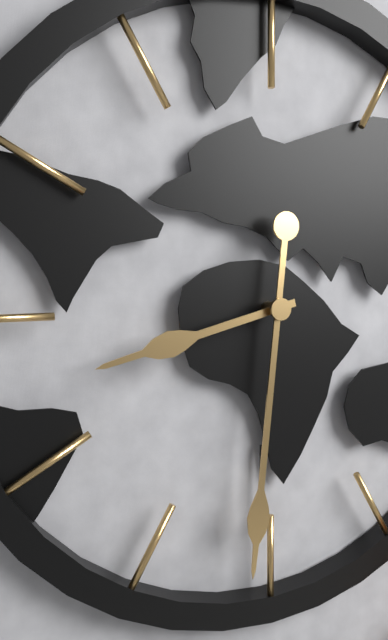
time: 8:31
